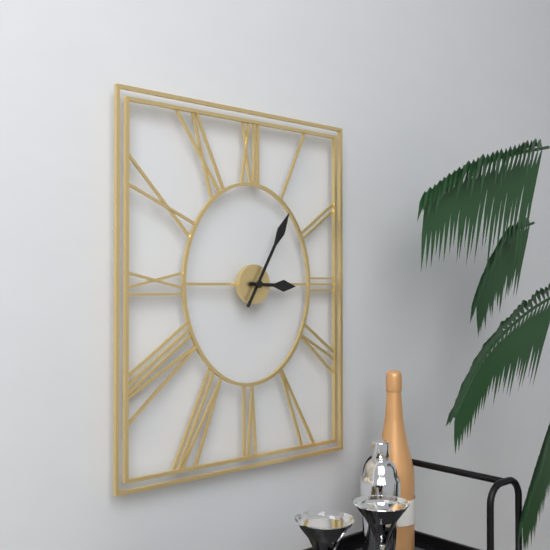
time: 3:05
